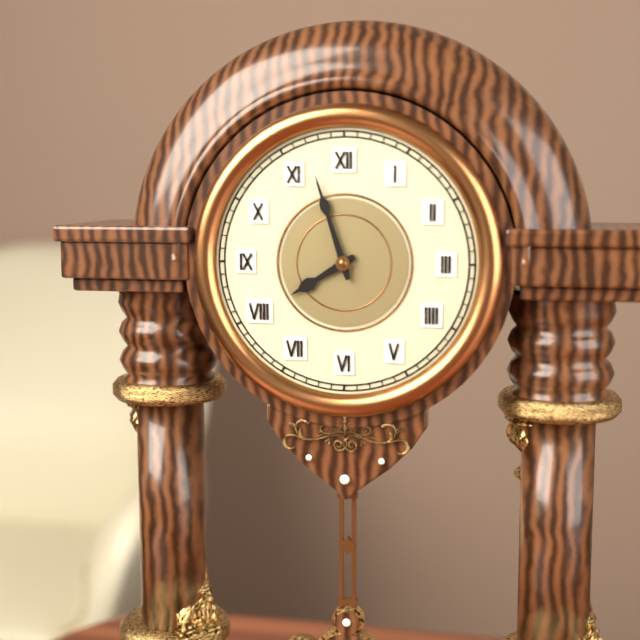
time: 7:57
